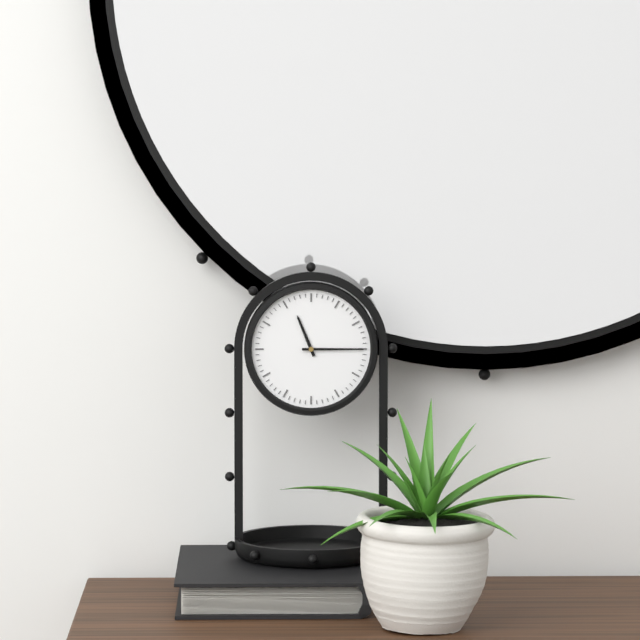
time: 11:15
